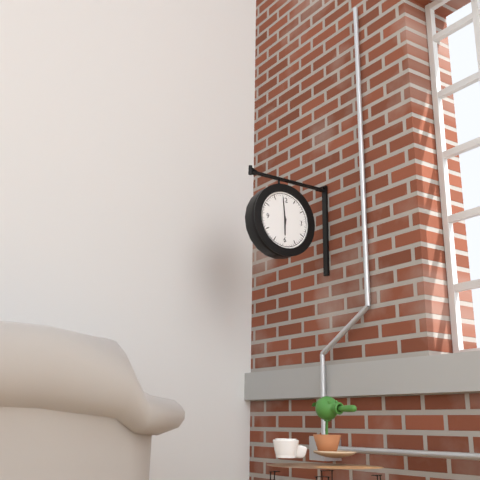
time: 5:59
